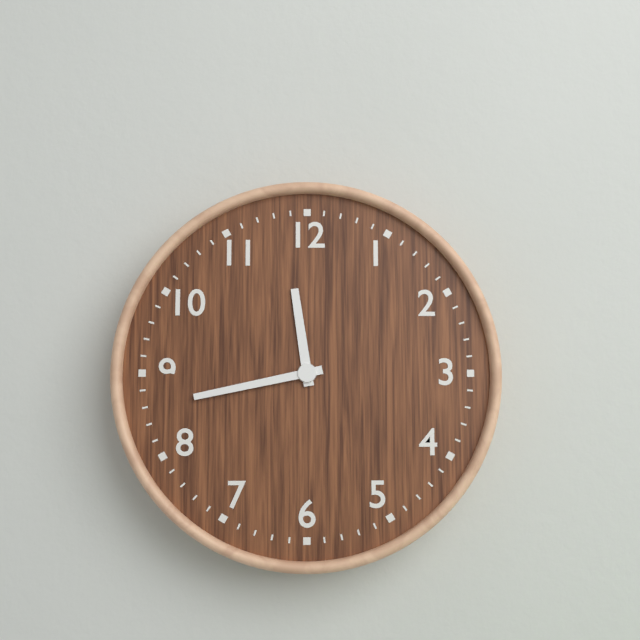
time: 11:43
